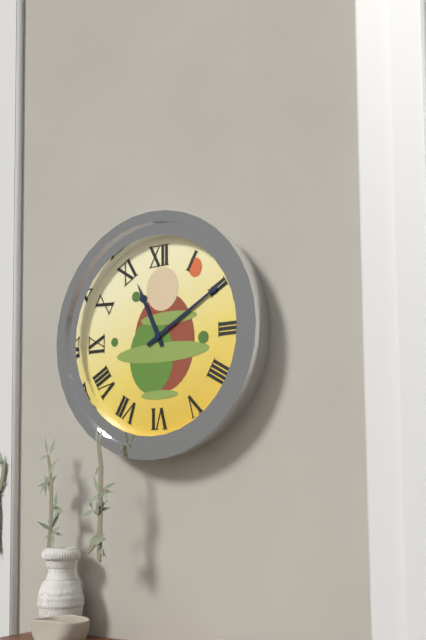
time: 11:10
